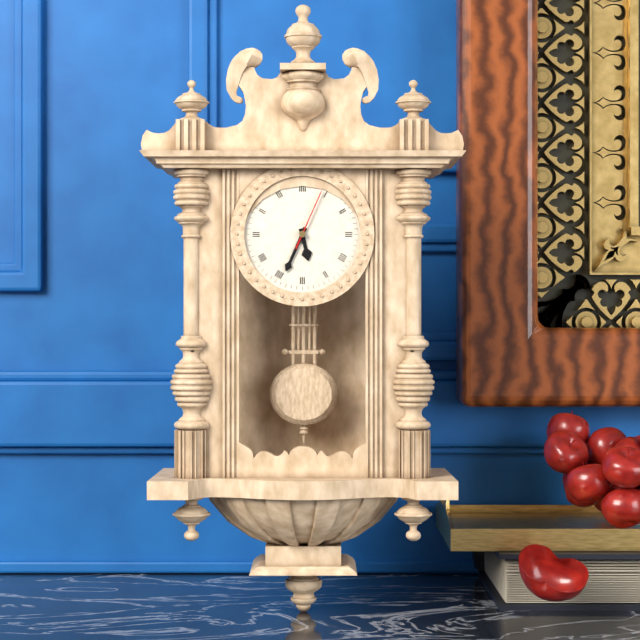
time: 5:34:04
